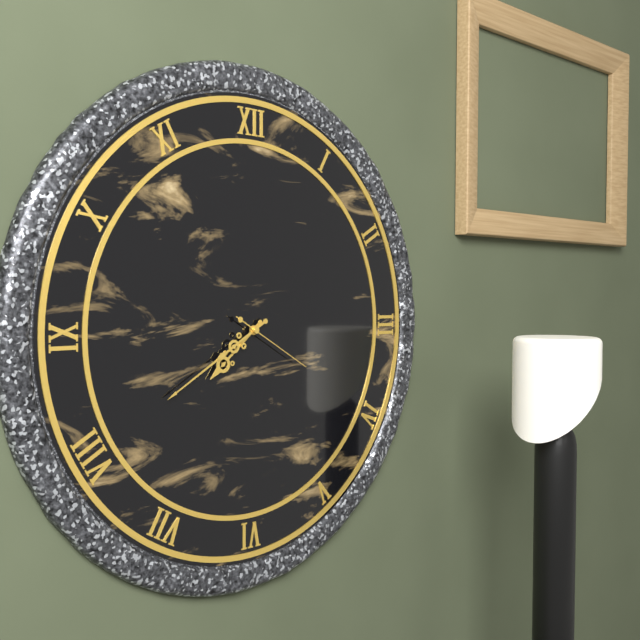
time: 7:40:20
